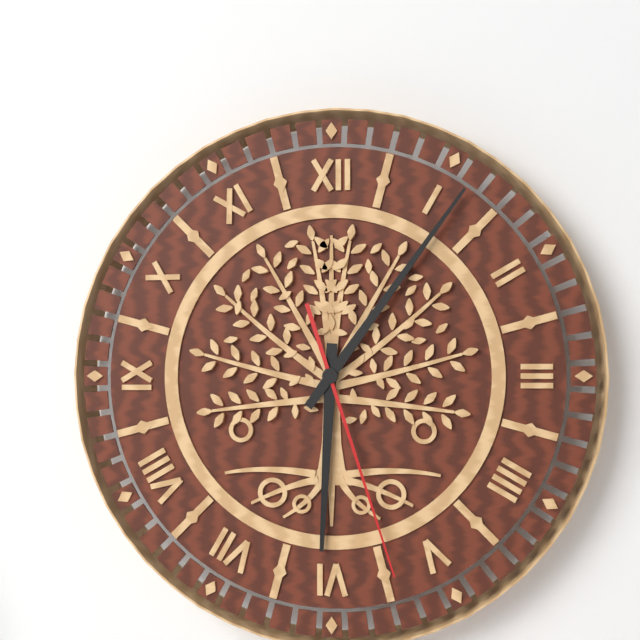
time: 6:06:27
